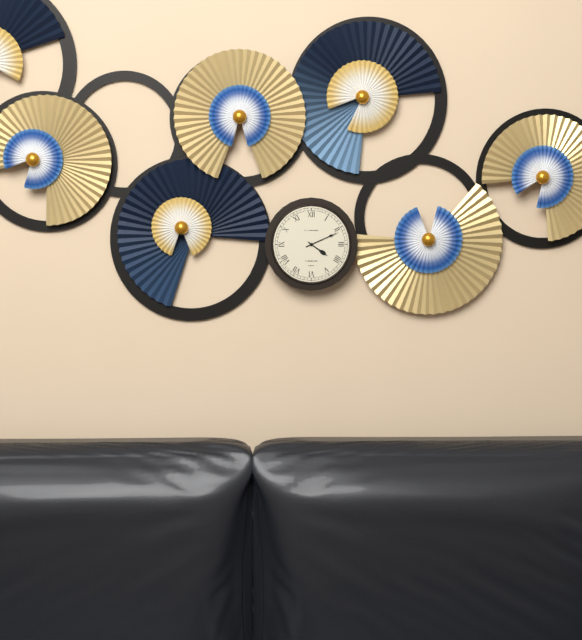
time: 4:11
